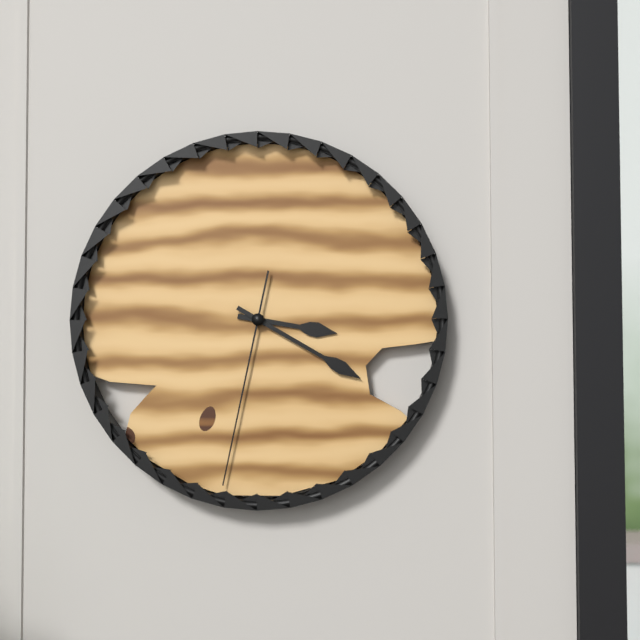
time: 3:20:32
